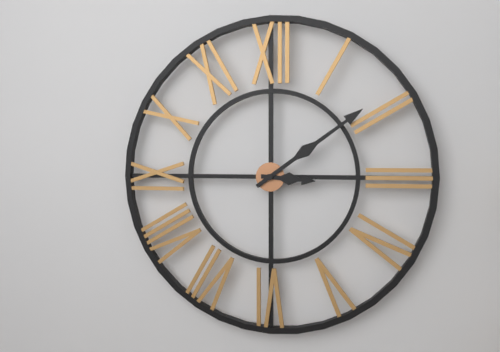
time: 3:09
